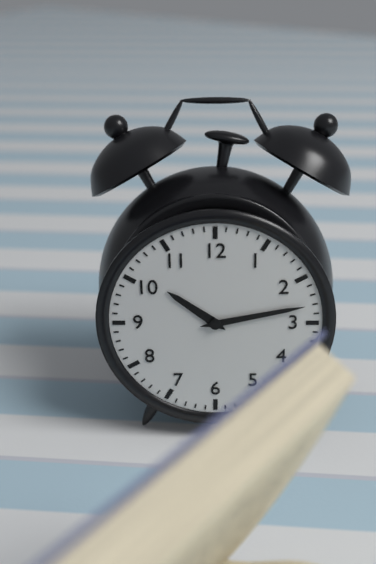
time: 10:13
